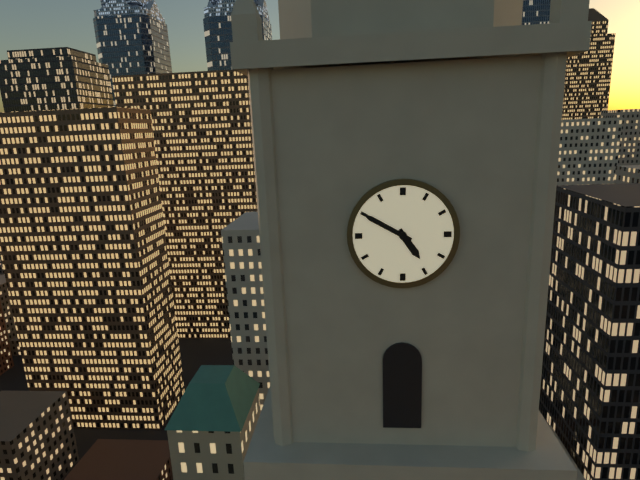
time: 4:50
